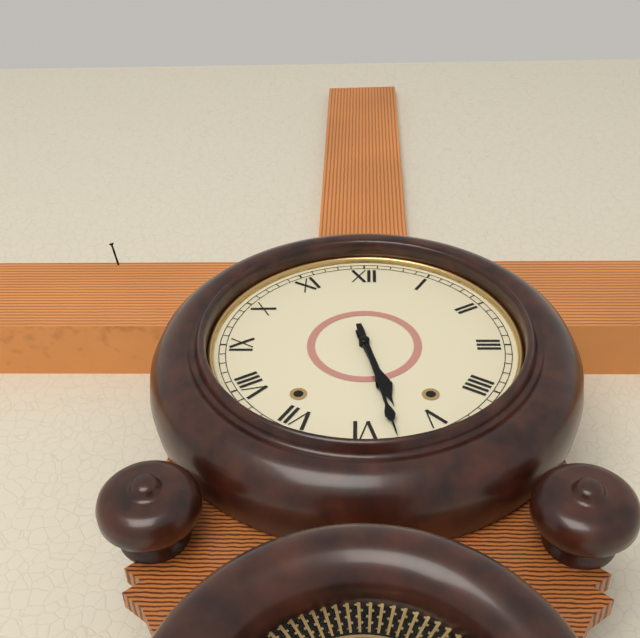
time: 5:28
